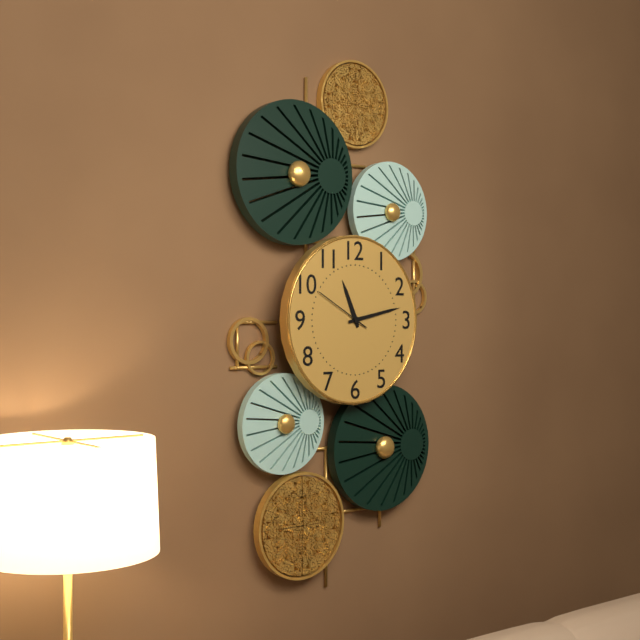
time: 11:13:50
